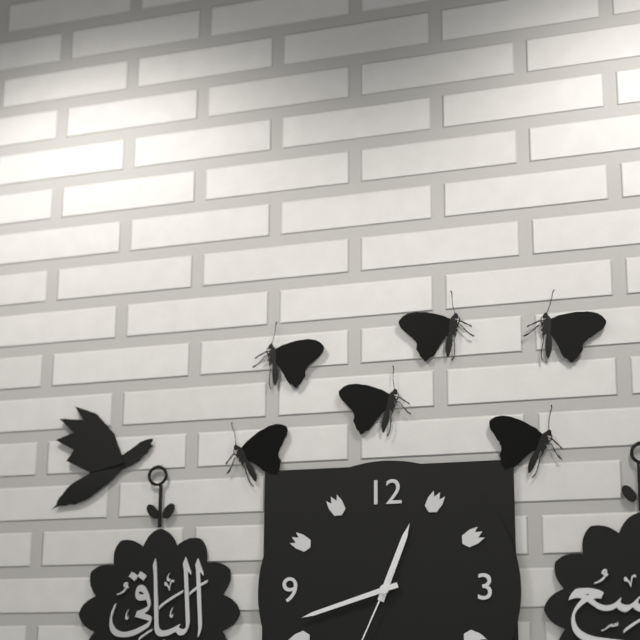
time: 12:42
